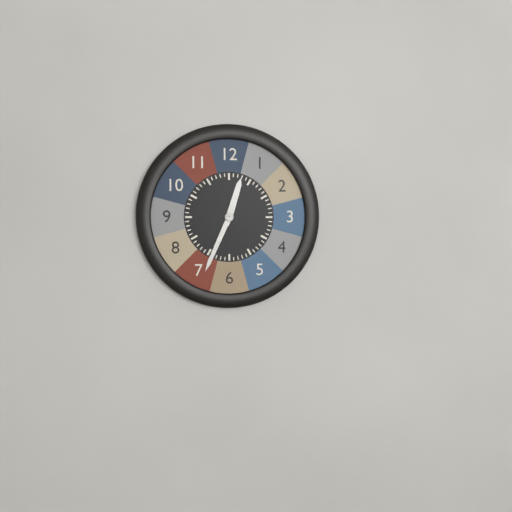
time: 12:34
